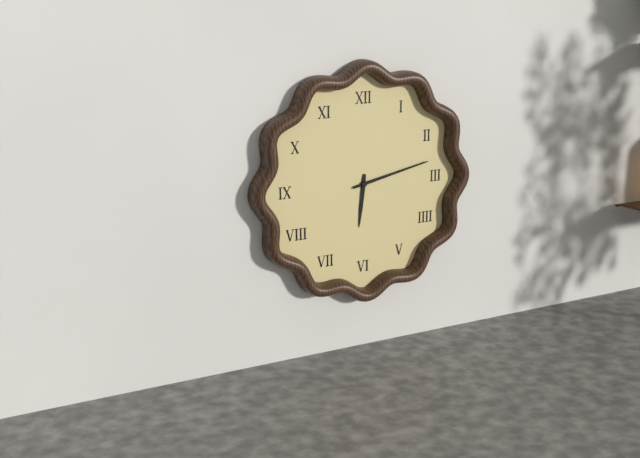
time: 6:13
